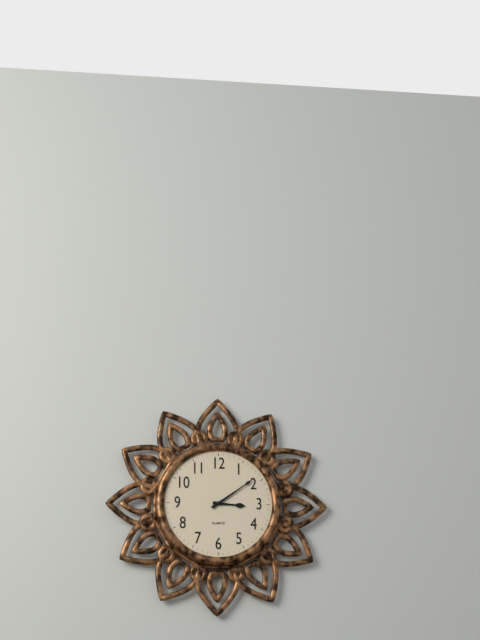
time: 3:09
